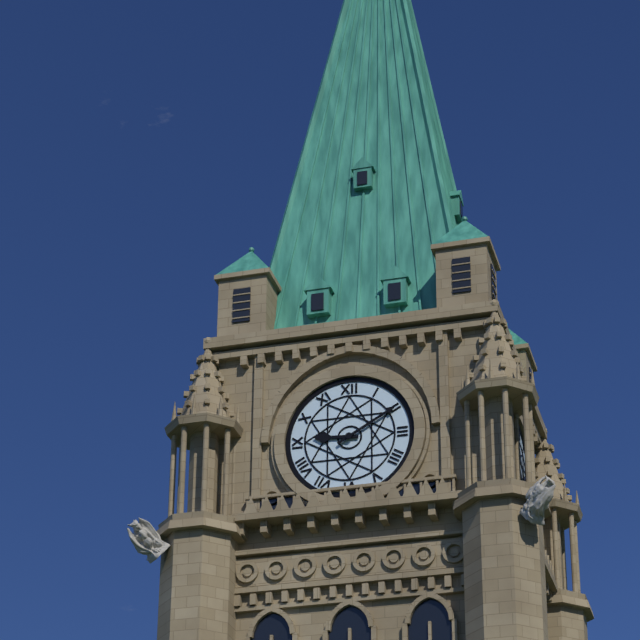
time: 9:10
